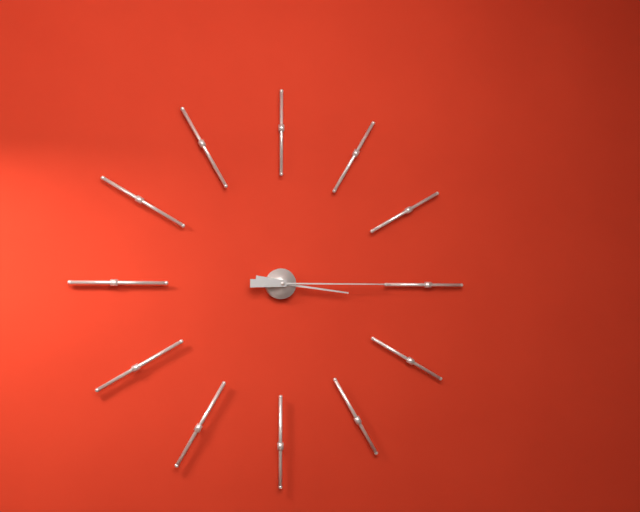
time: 3:15
